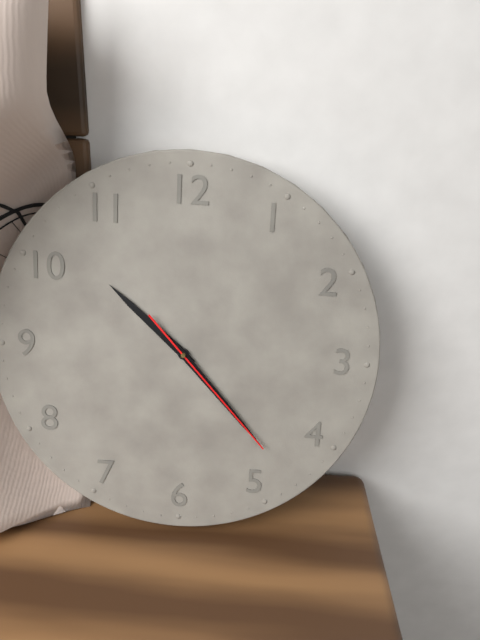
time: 10:23:23
